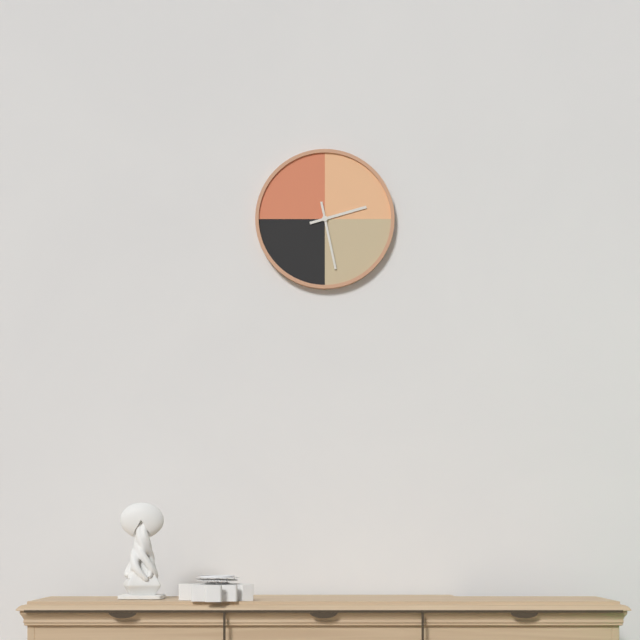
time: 2:28
